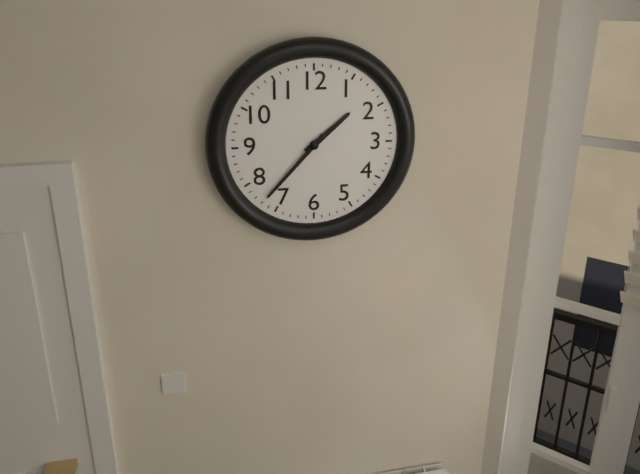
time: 1:37
